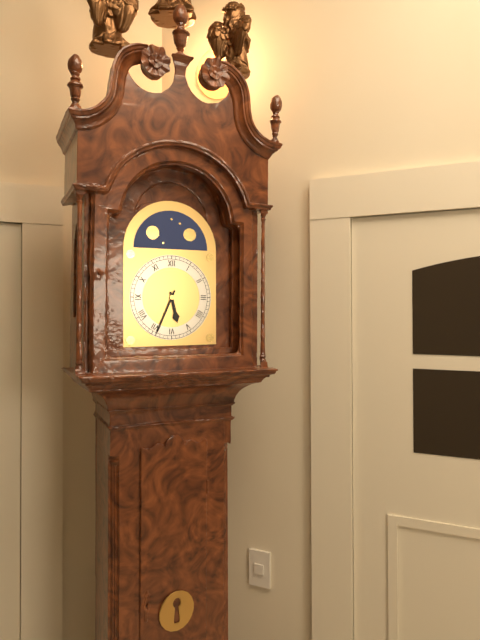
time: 5:34
